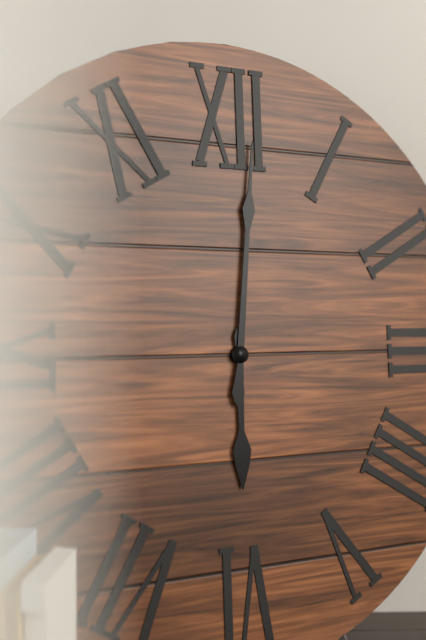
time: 6:01
